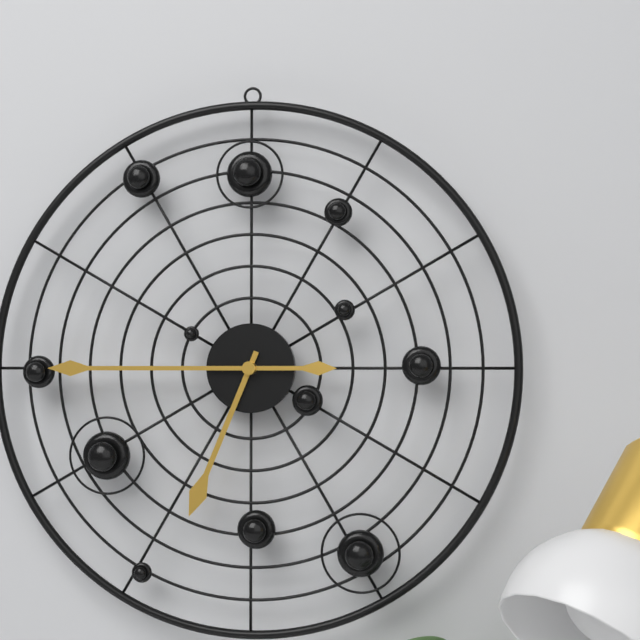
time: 6:45
